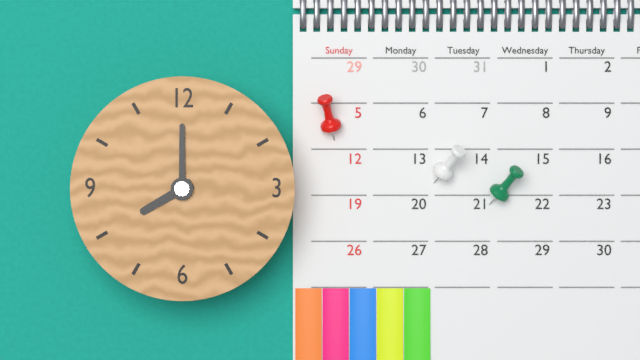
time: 8:00
